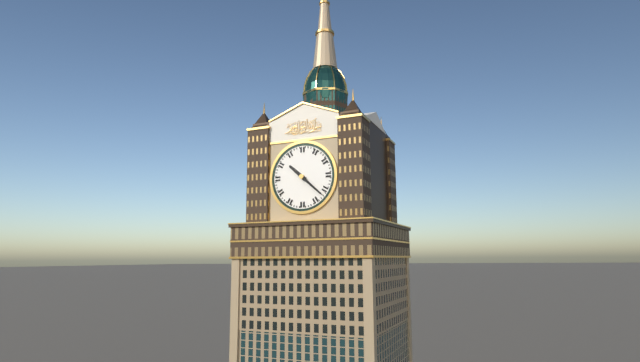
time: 10:22
